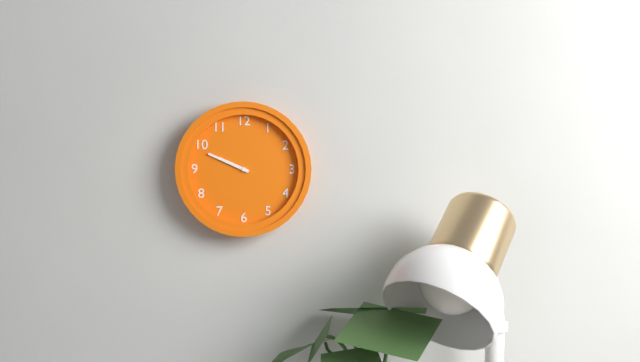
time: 9:49
